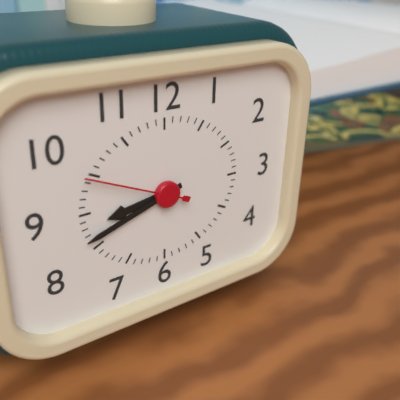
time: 8:42:49
